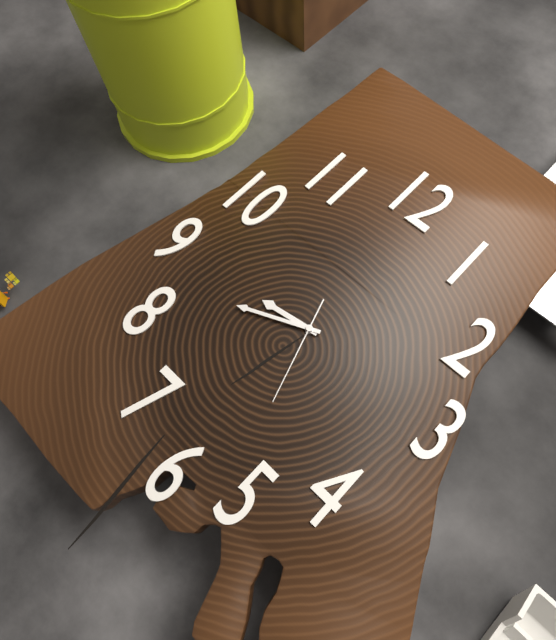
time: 8:41:27
